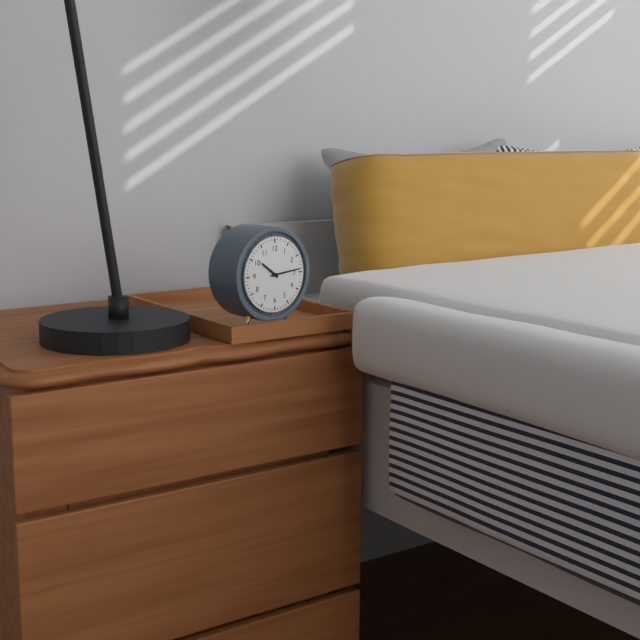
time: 10:14
